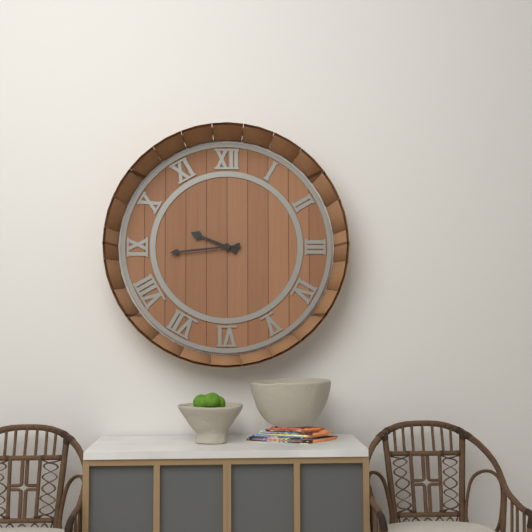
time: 9:44
